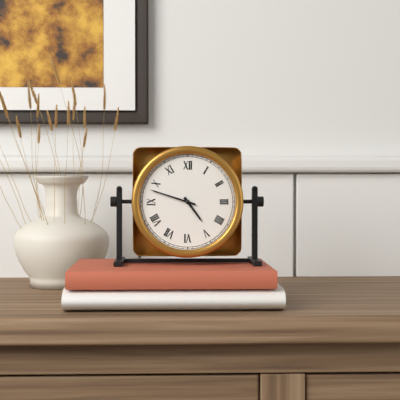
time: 4:48
